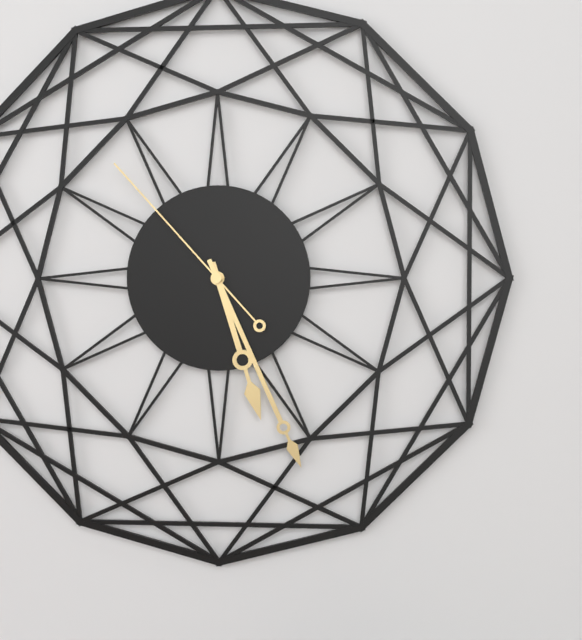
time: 5:26:53
